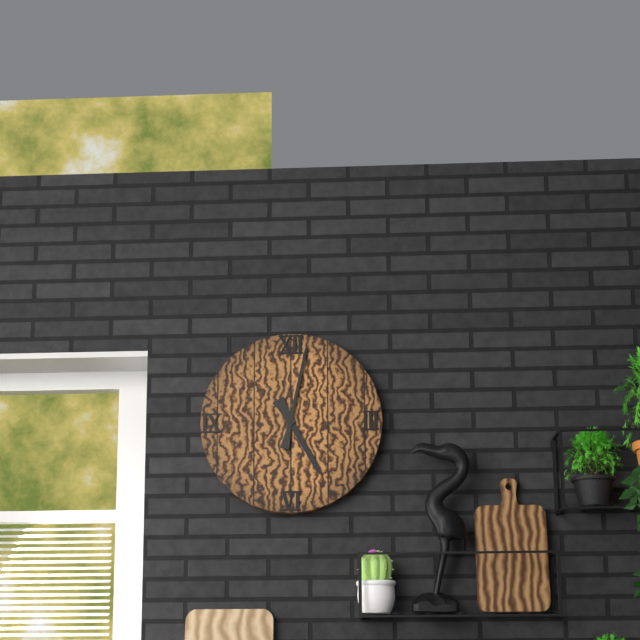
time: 5:02
